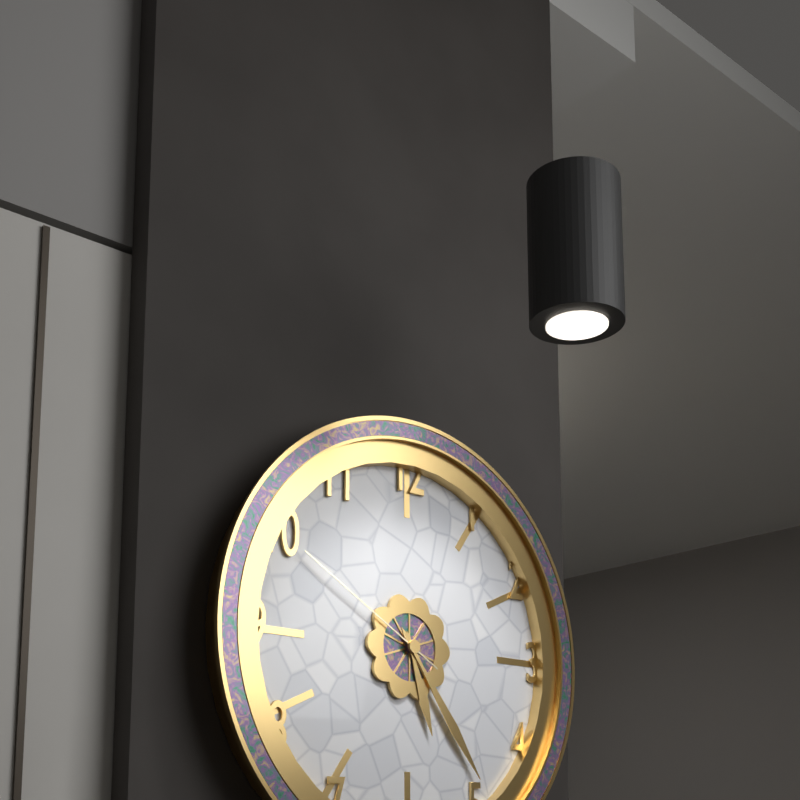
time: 5:24:50
